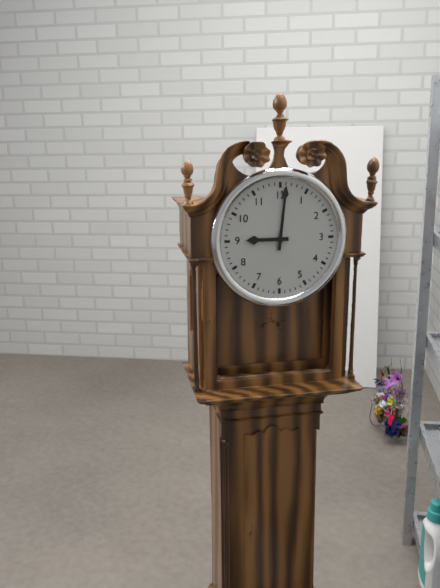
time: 9:01
